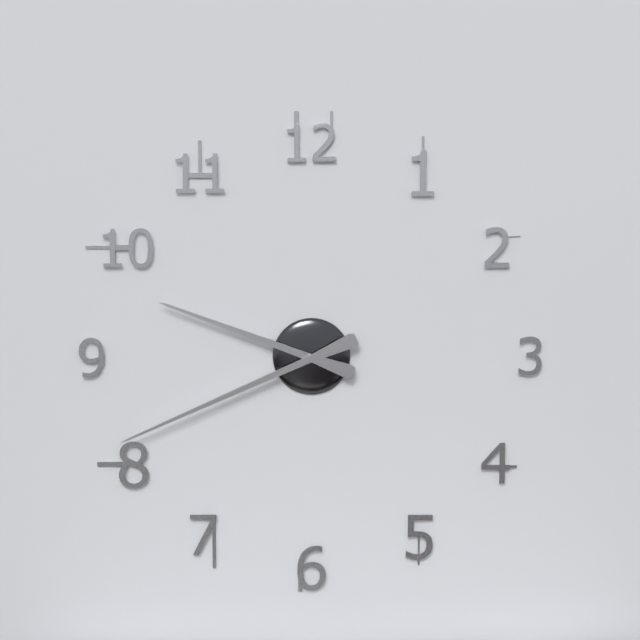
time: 9:41
